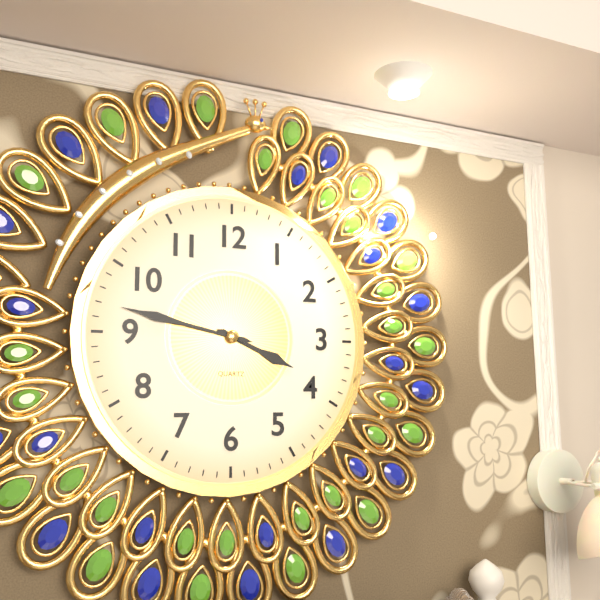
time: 3:47
